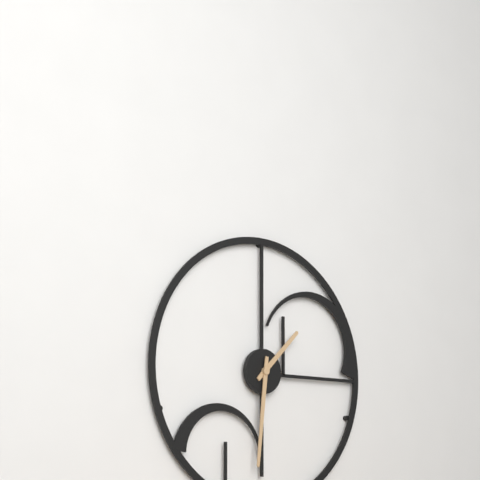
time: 1:31
